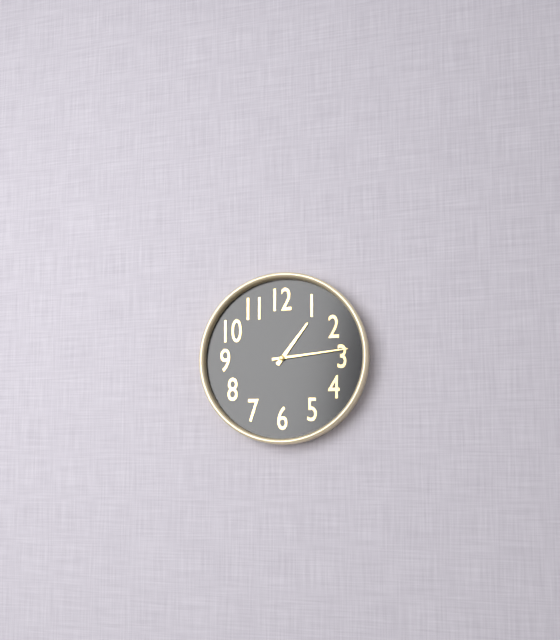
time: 1:14
